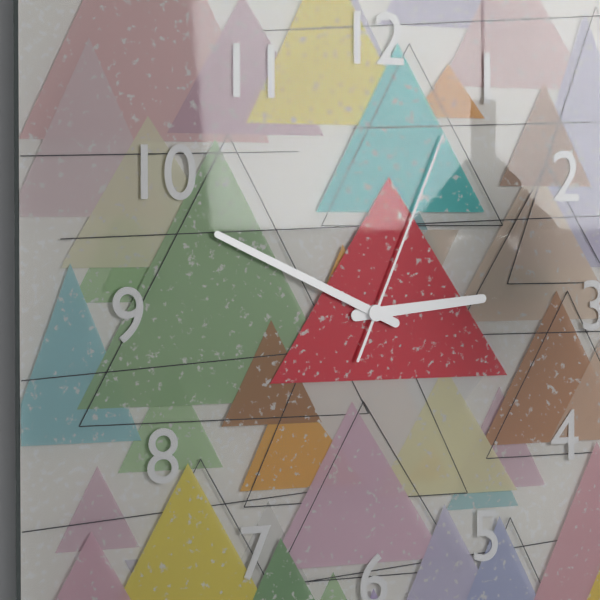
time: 2:49:04
